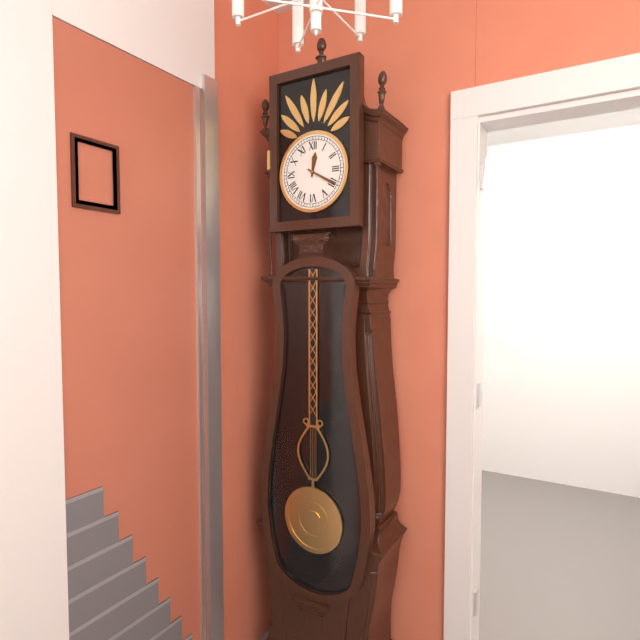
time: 12:20
